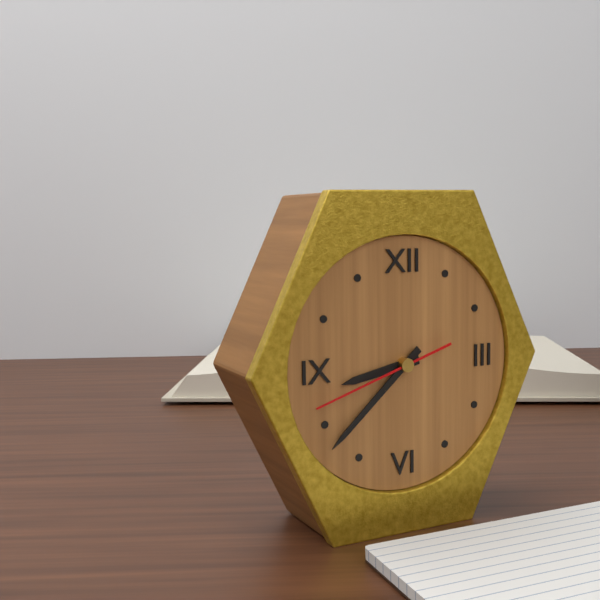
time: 8:38:42
